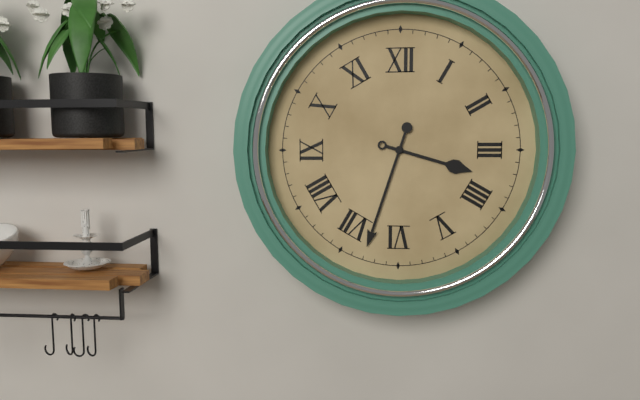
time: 3:33
